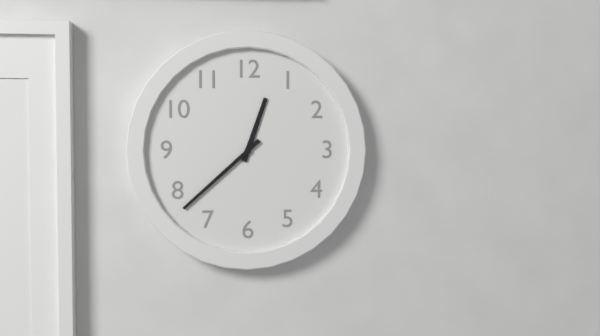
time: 12:38
